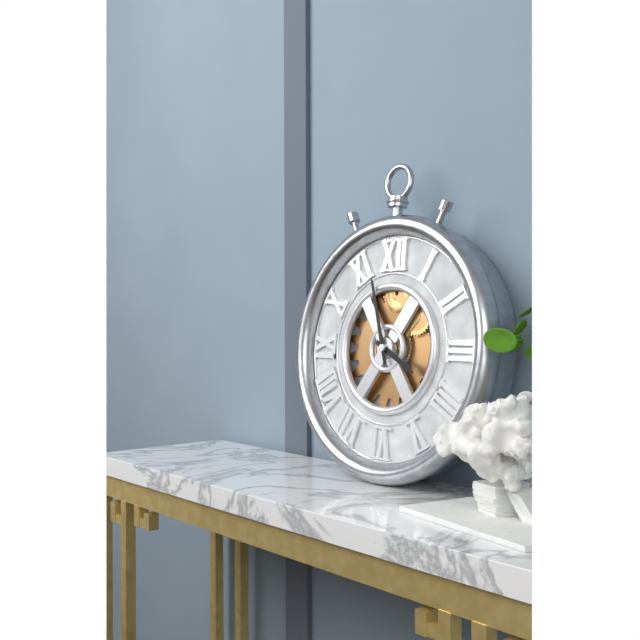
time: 3:57
